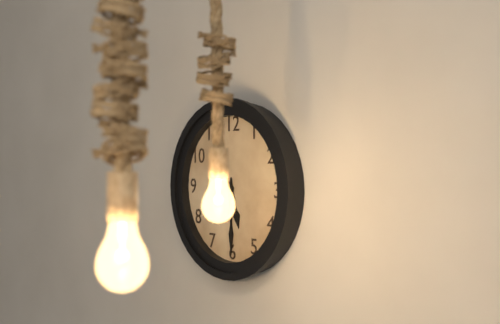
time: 5:30
